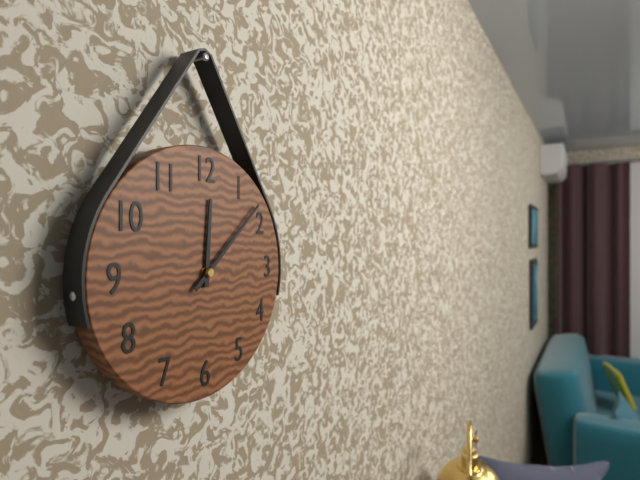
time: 12:08
